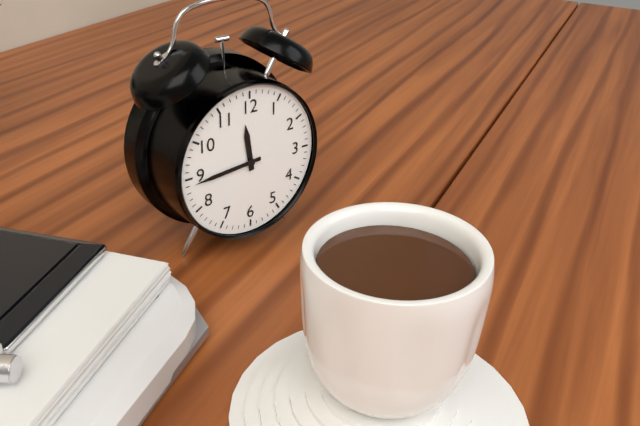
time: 11:44
